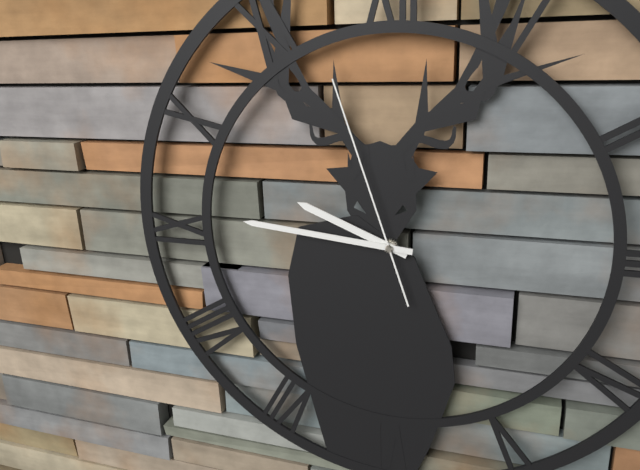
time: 9:46:57
